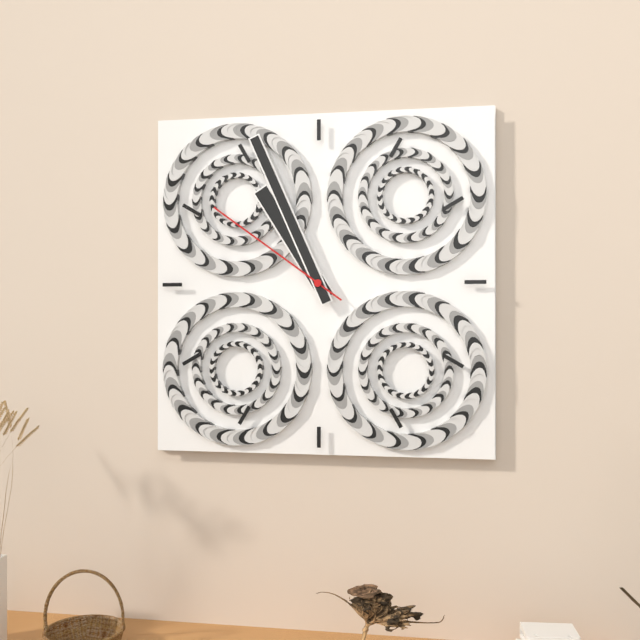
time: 10:56:51
